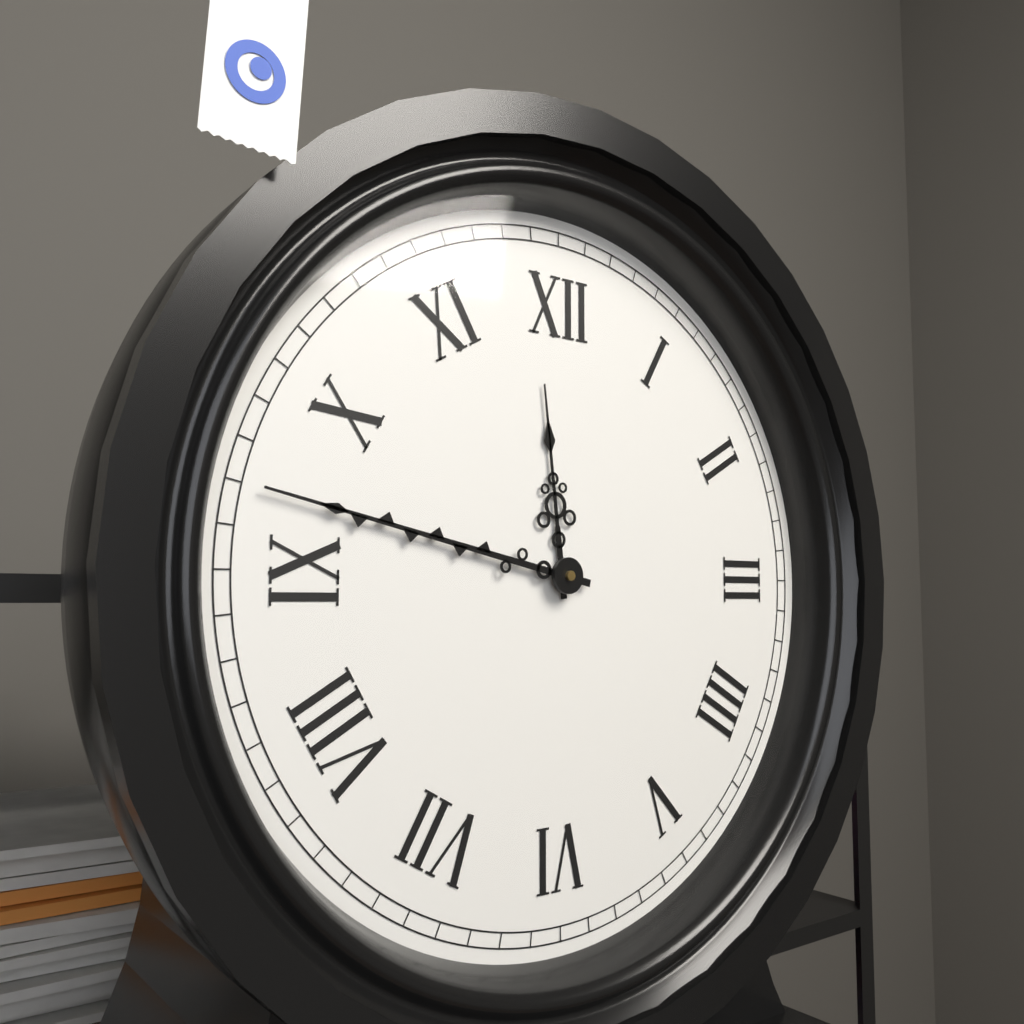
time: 11:47
